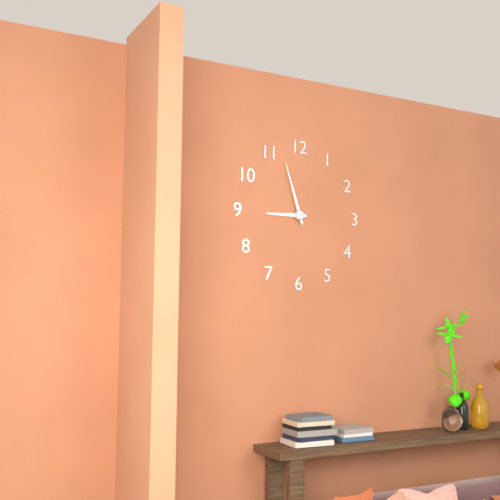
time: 8:57
